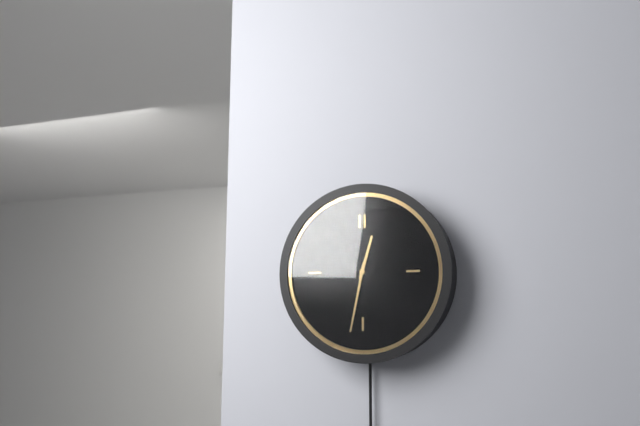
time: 12:32
